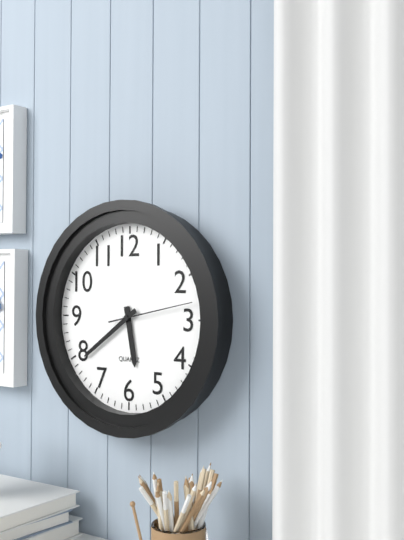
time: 5:39:13
